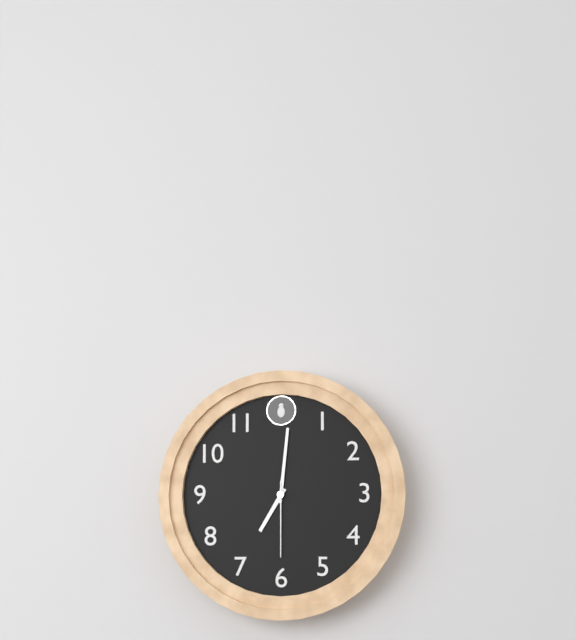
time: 7:01:30
